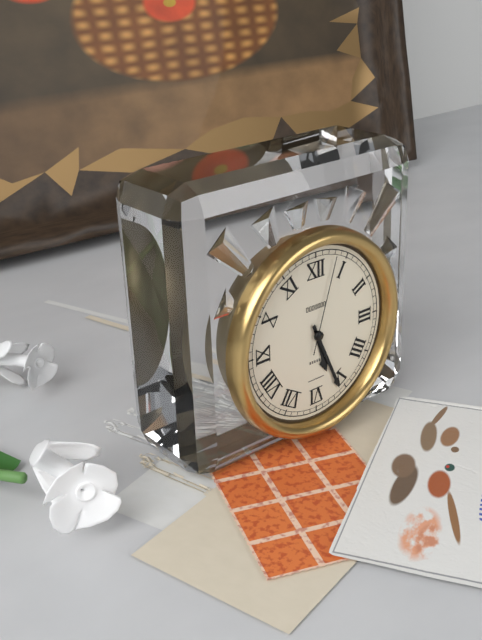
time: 5:26:03
